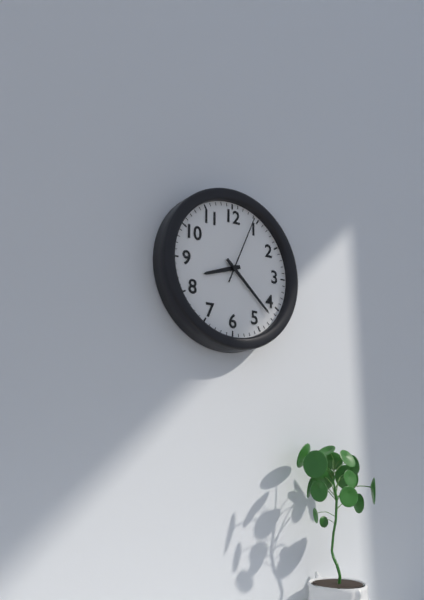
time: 8:22:04
